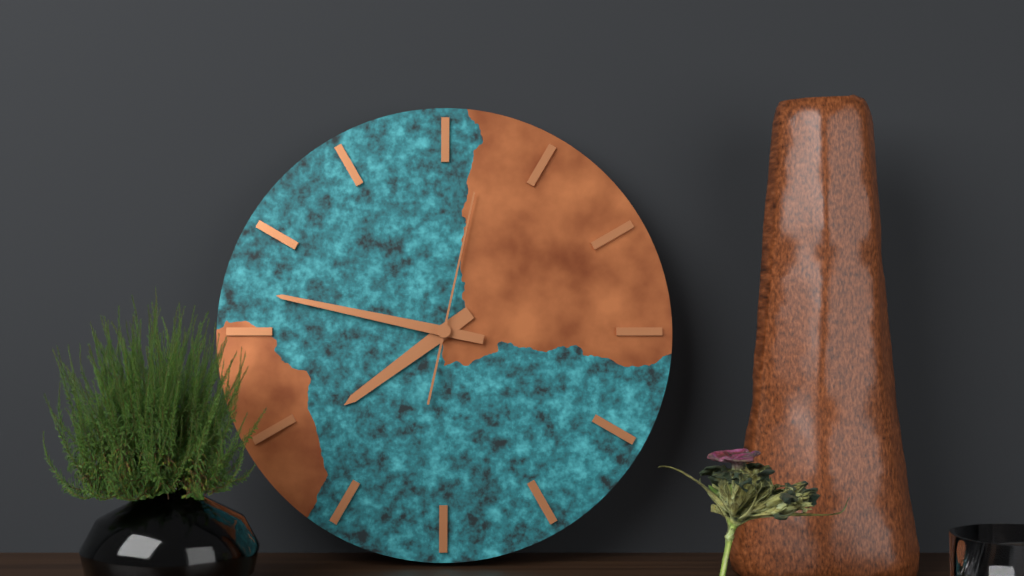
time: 7:47:02
